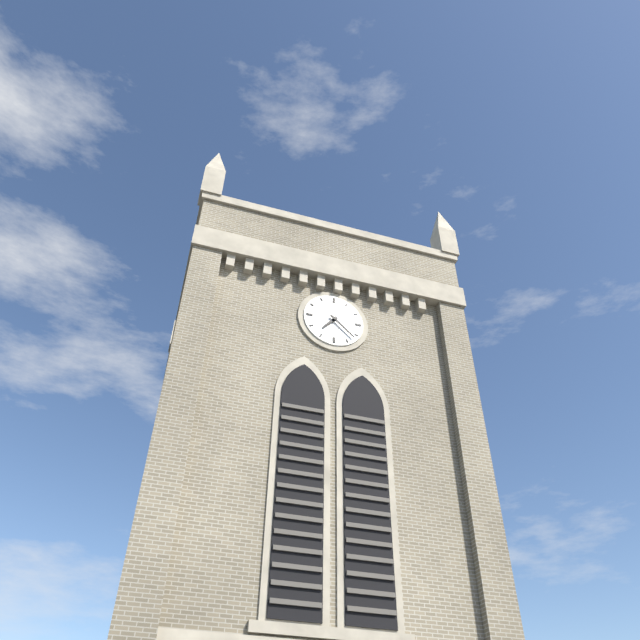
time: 7:22
